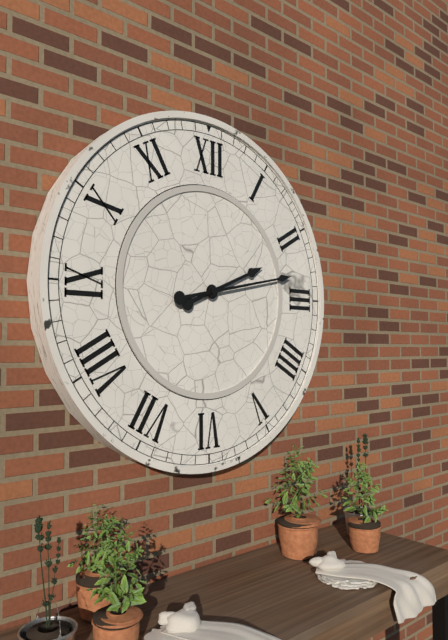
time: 2:13
